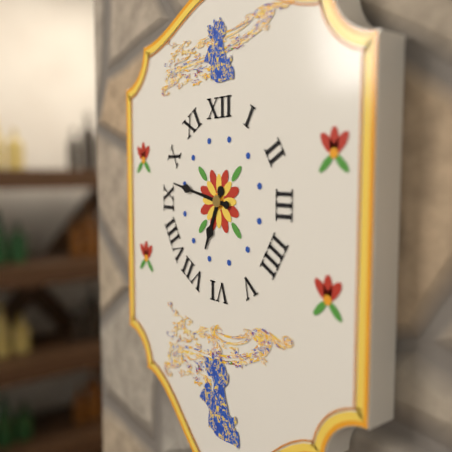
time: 6:47
